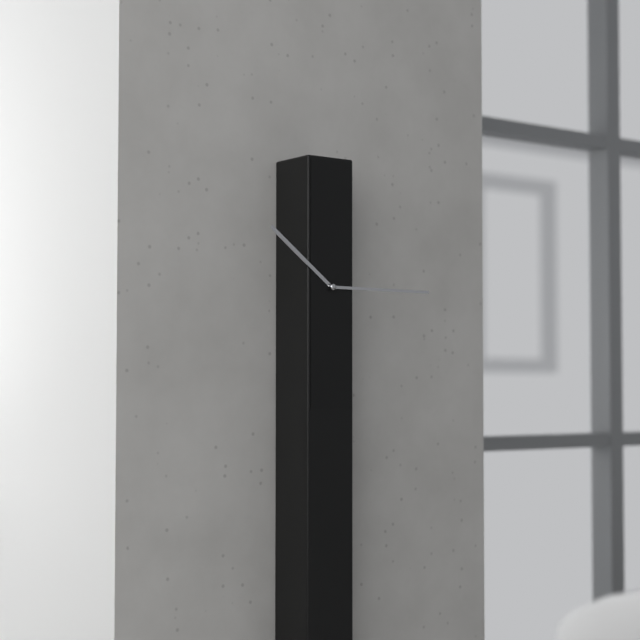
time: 10:15
